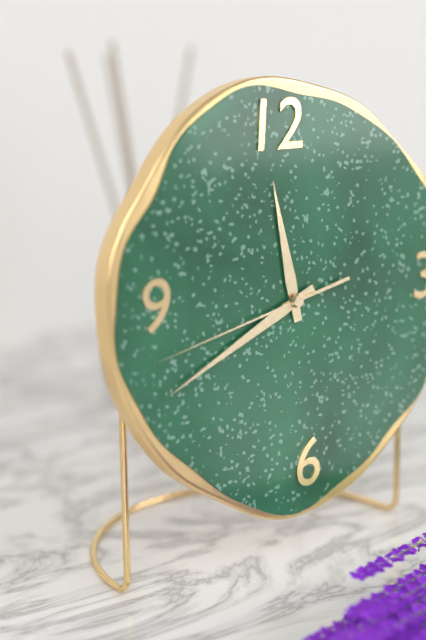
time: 11:41:43
